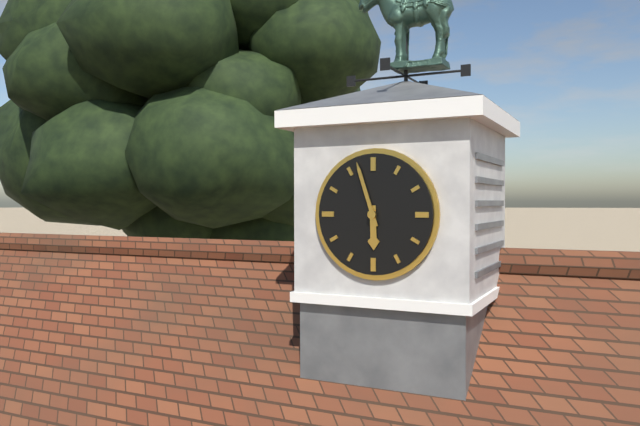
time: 5:57
